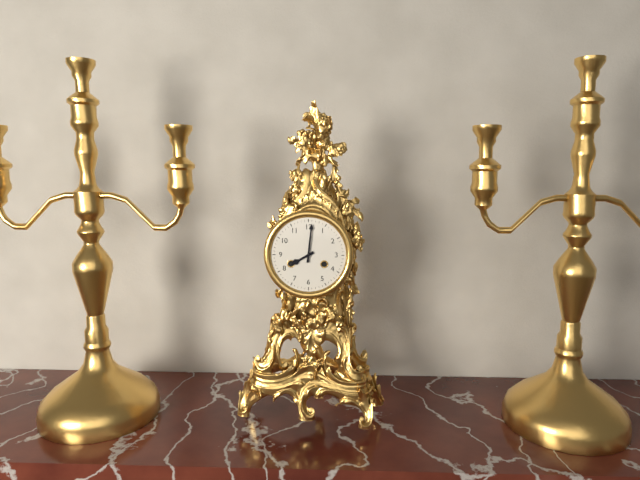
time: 8:01
